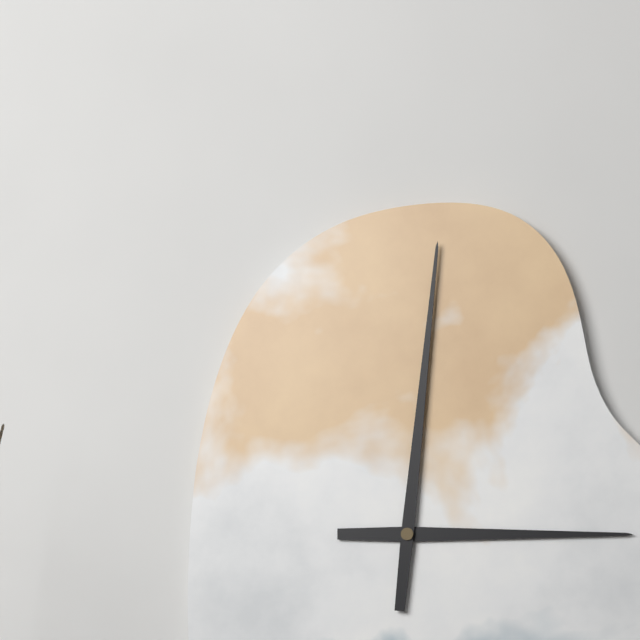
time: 3:01
